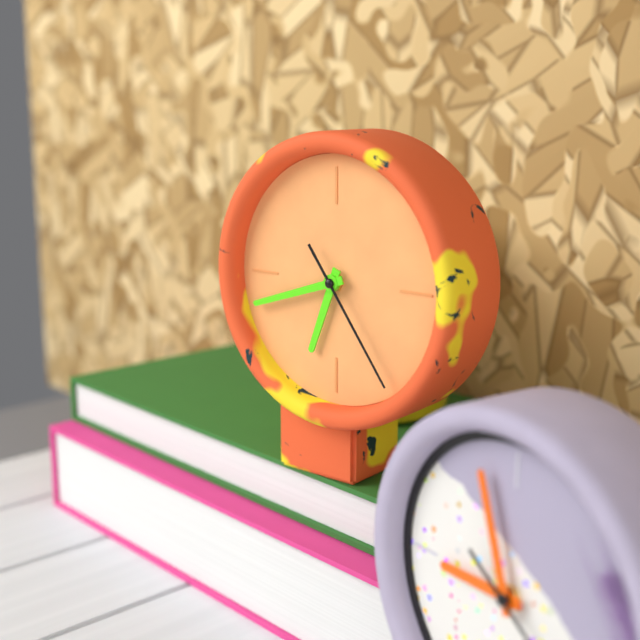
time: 6:42:24
